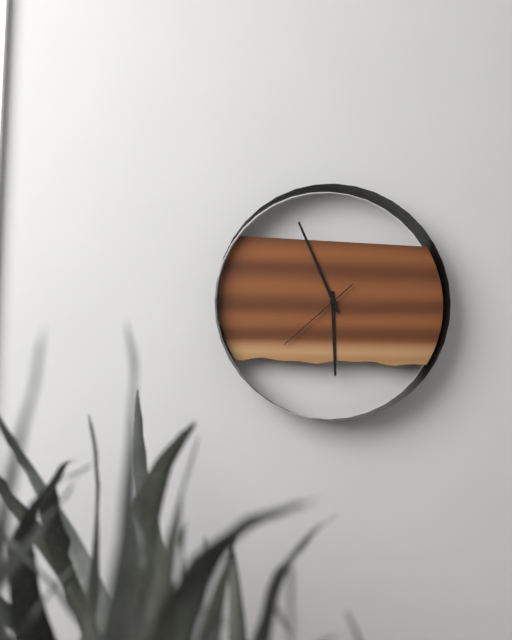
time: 5:56:38
